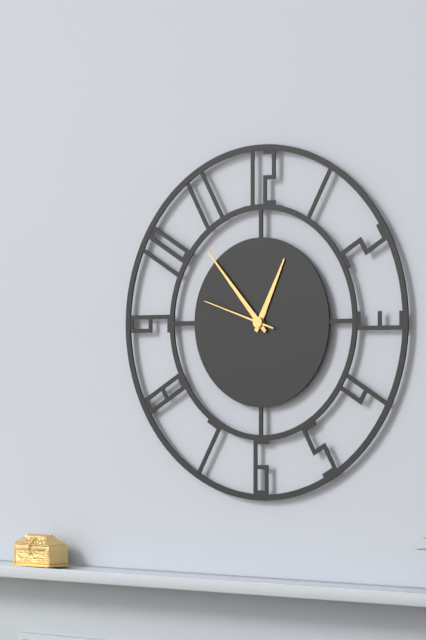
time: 12:53:48
